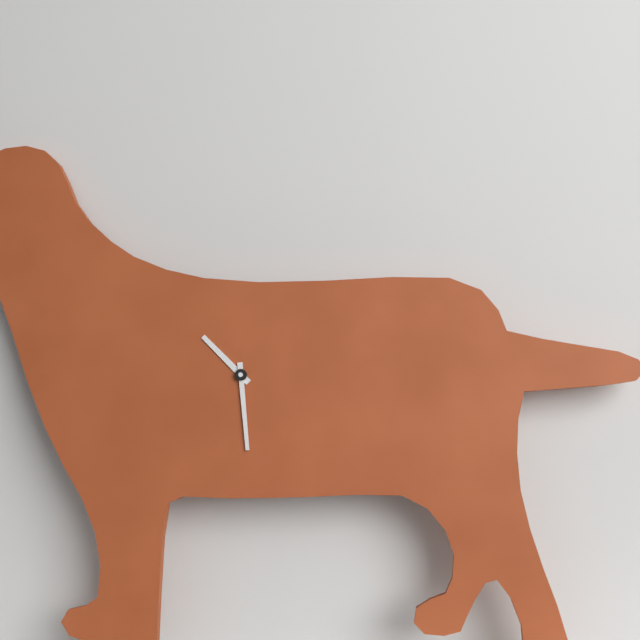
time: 10:29
